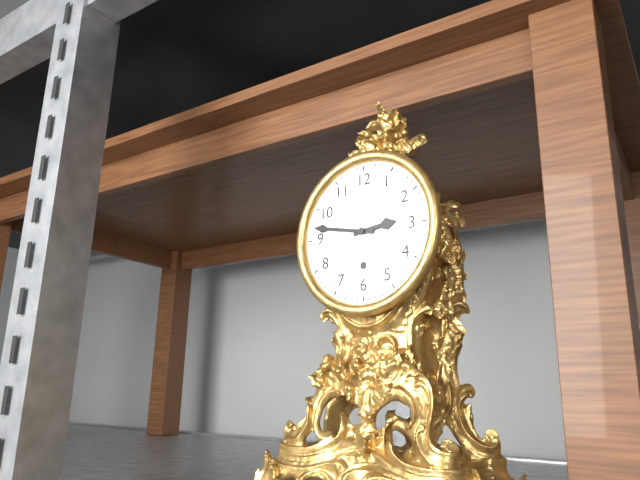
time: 2:47
